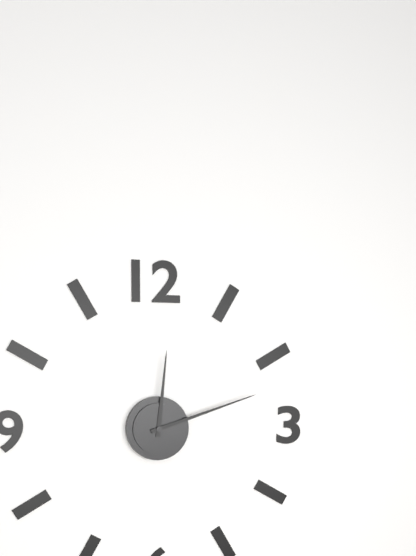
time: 12:12
